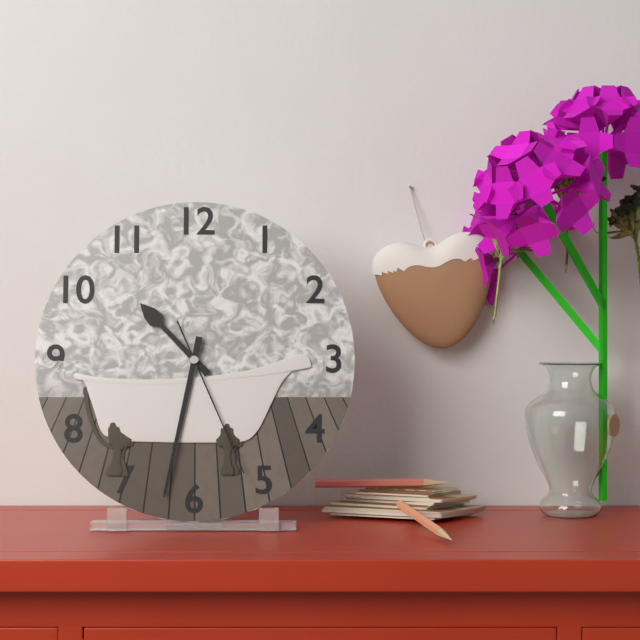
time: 10:32:26
